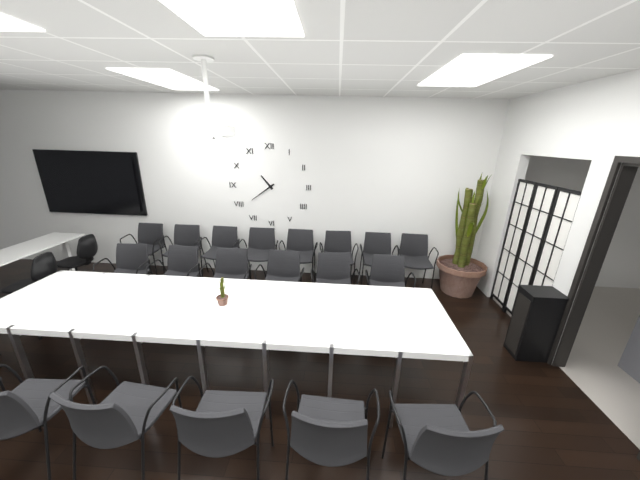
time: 10:39
